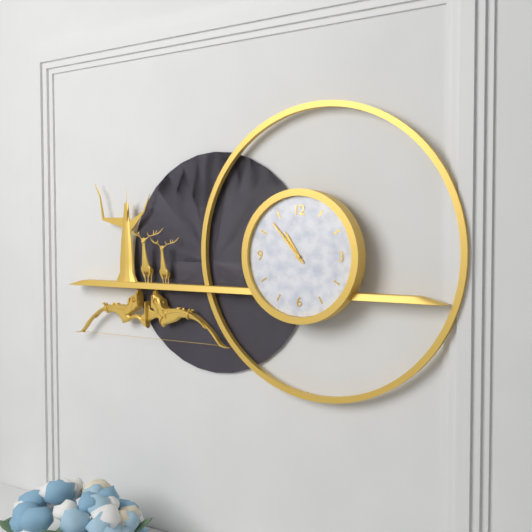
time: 10:53
